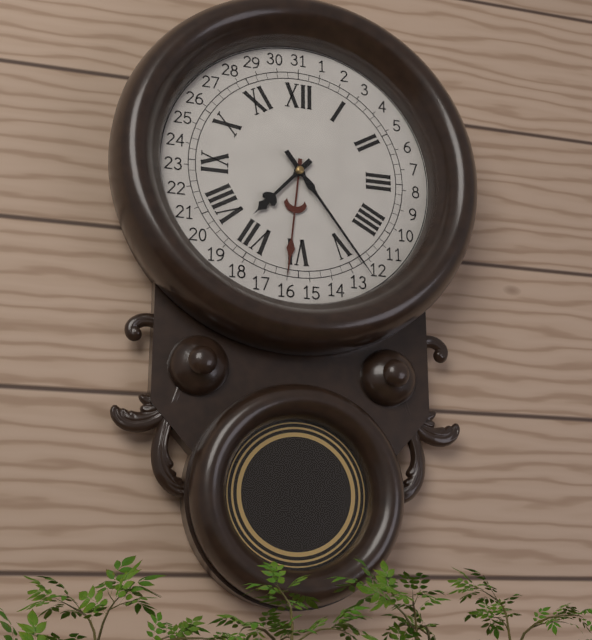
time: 7:24
